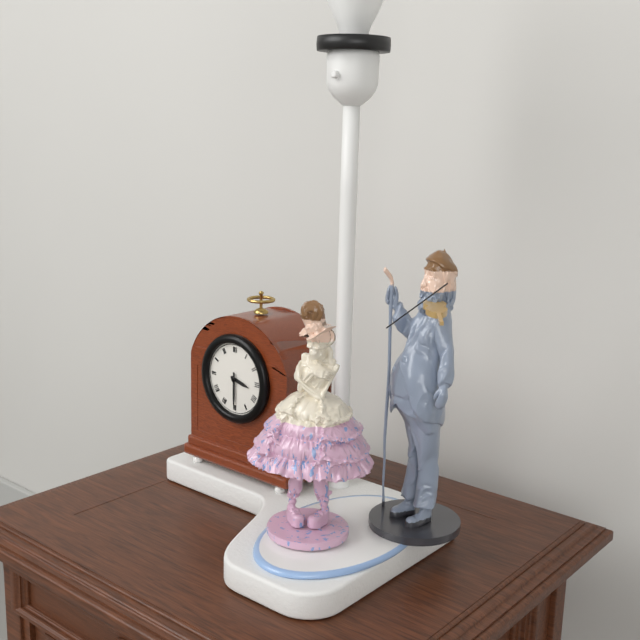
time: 3:30
